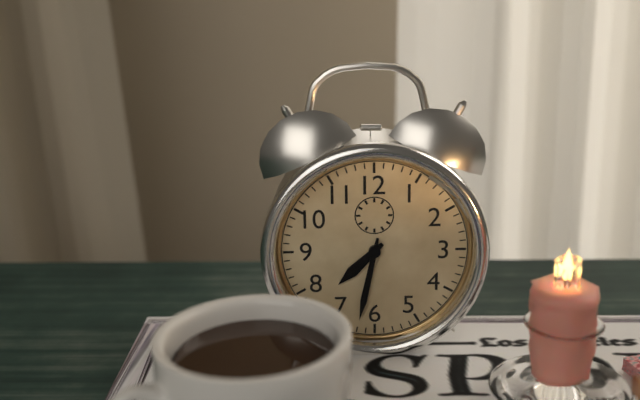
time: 7:32
